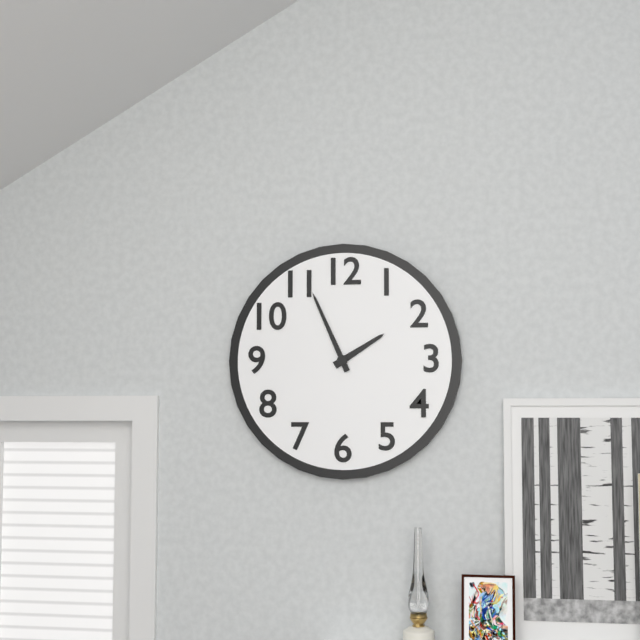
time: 1:56
